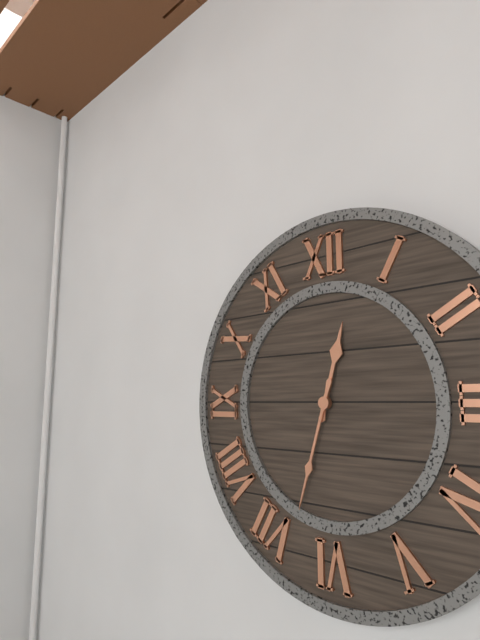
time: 12:33
